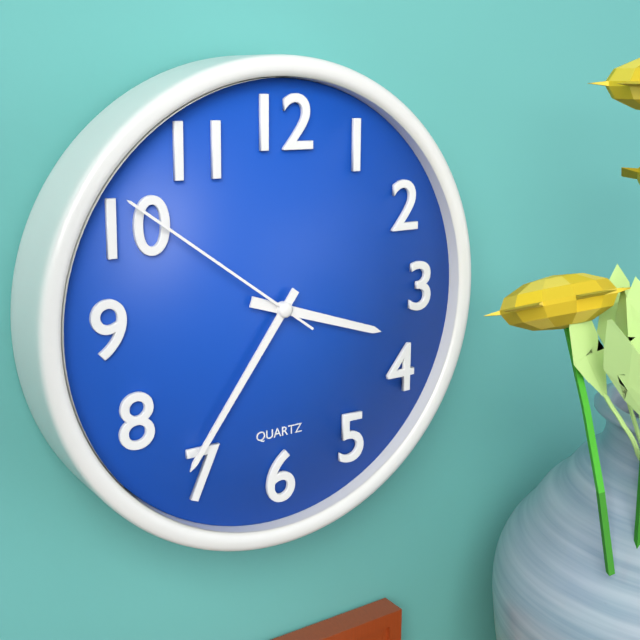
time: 3:36:51
